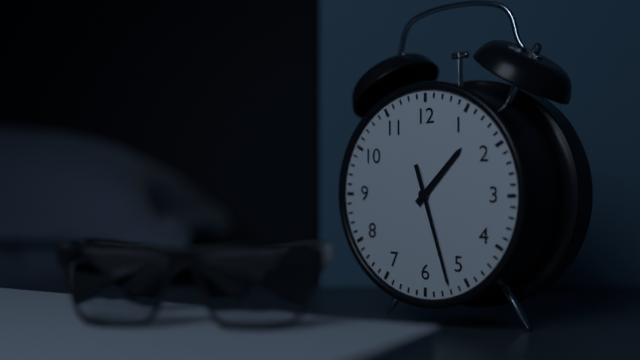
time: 1:27
